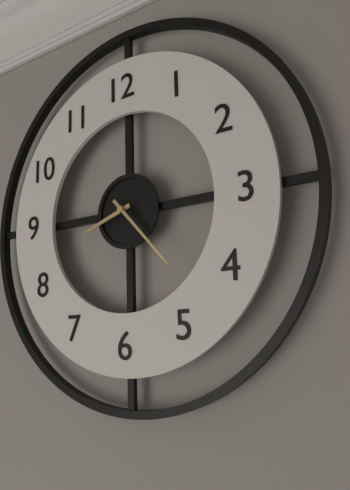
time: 8:23
